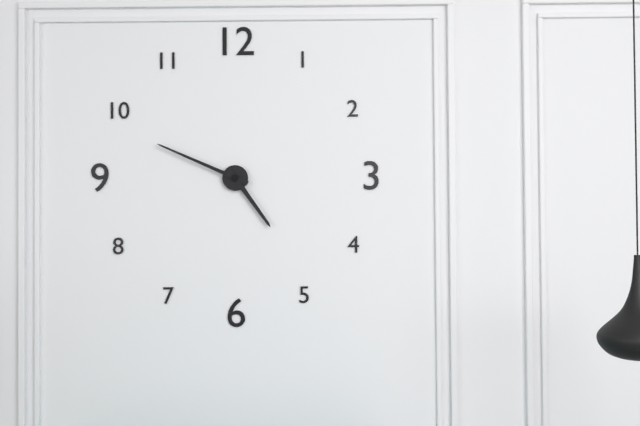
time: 4:49
